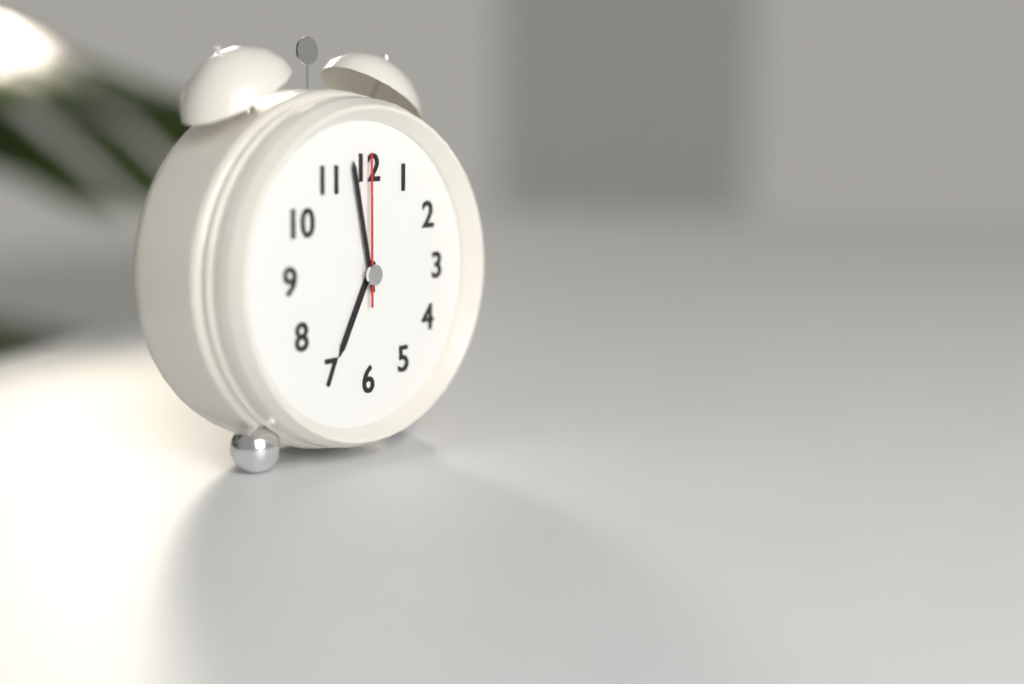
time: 6:58:00
